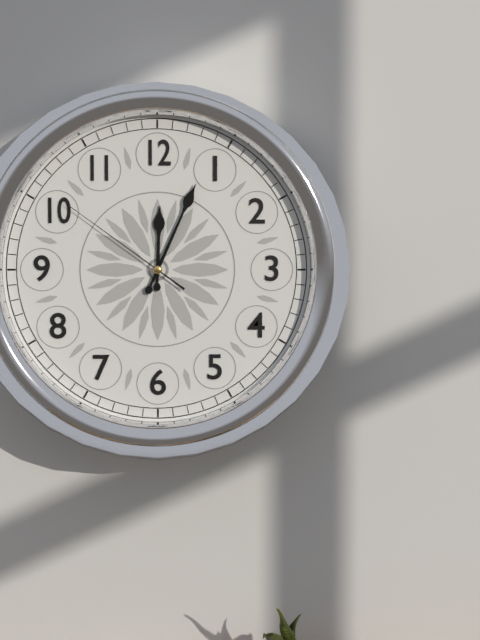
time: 12:04:51
